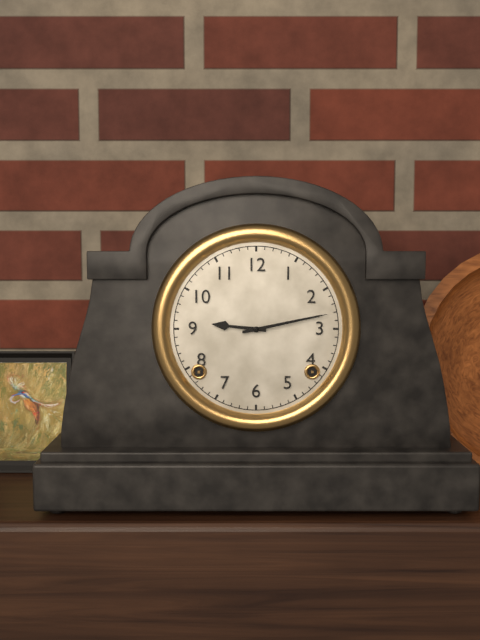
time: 9:13
